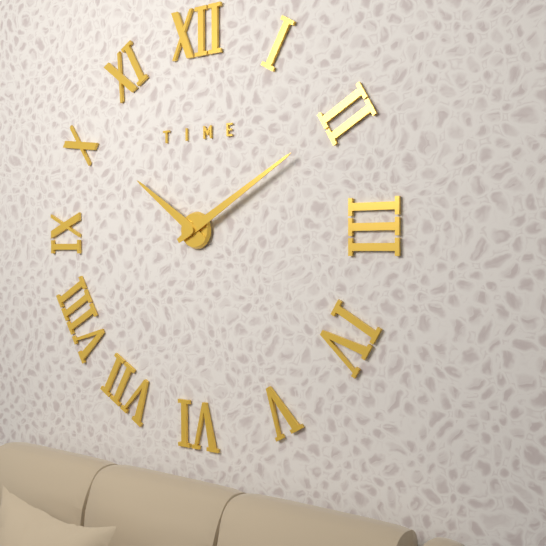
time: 10:10
